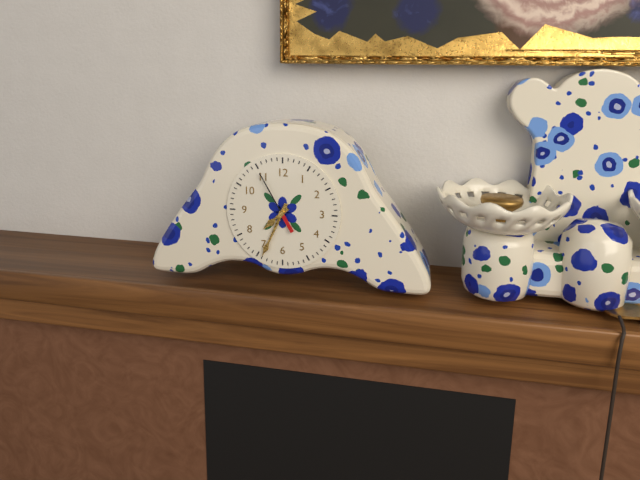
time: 7:34:55
